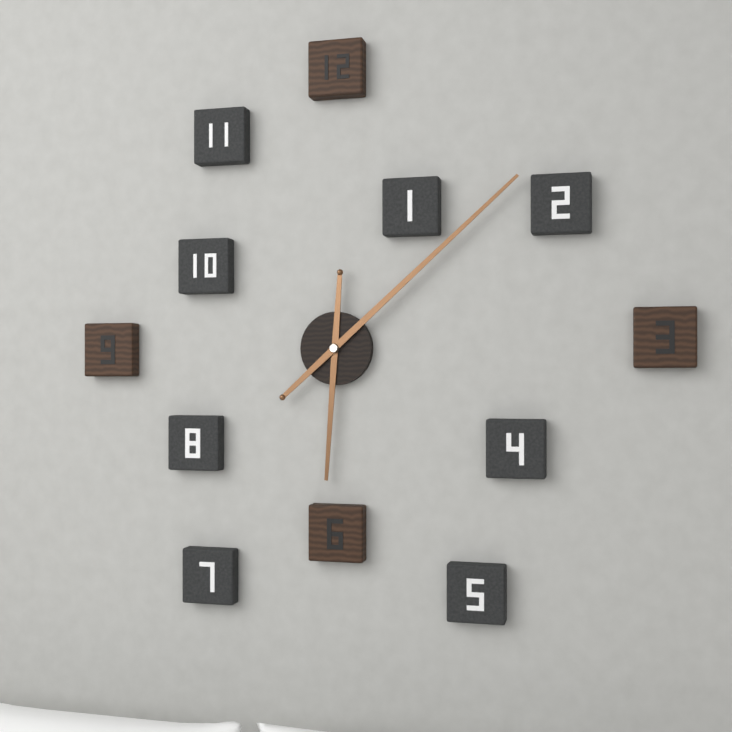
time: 6:08
